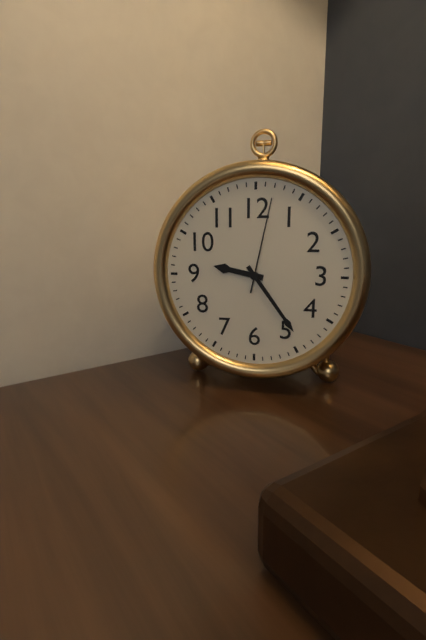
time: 9:24:02
